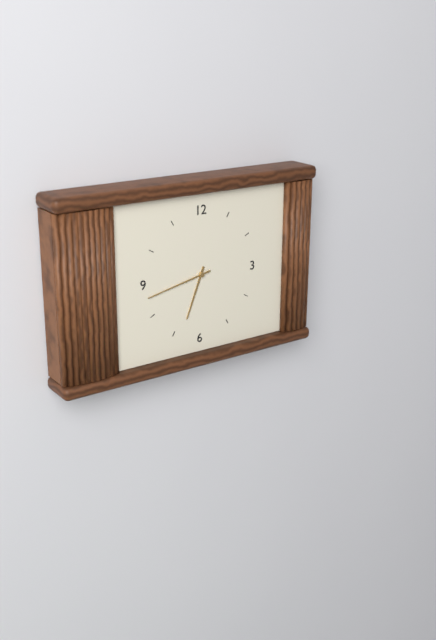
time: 6:43
